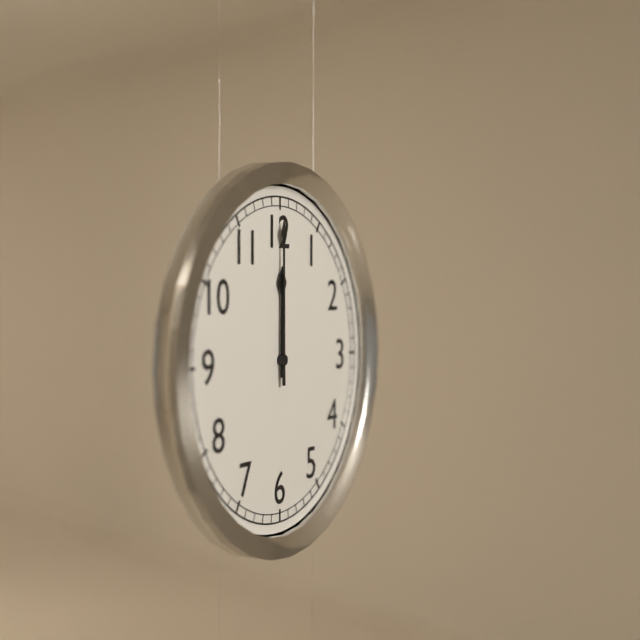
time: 12:00
